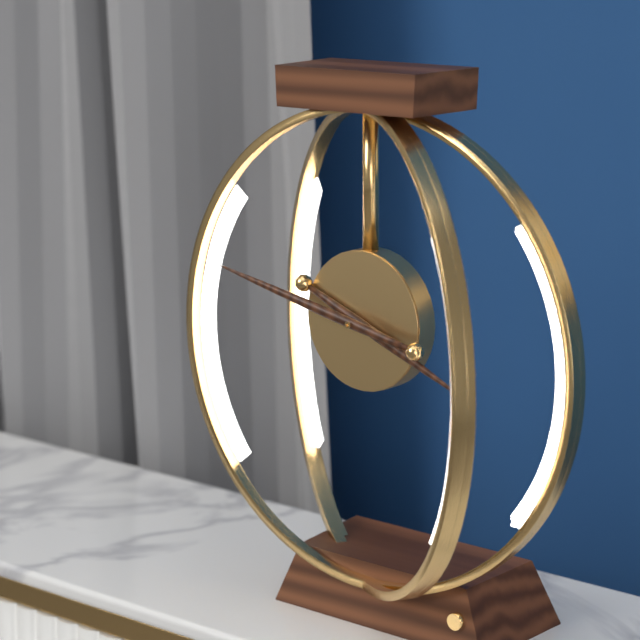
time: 3:47
